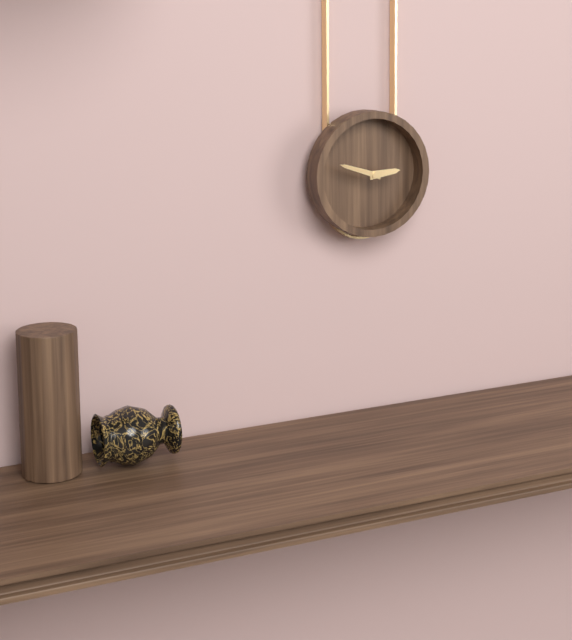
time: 2:48
